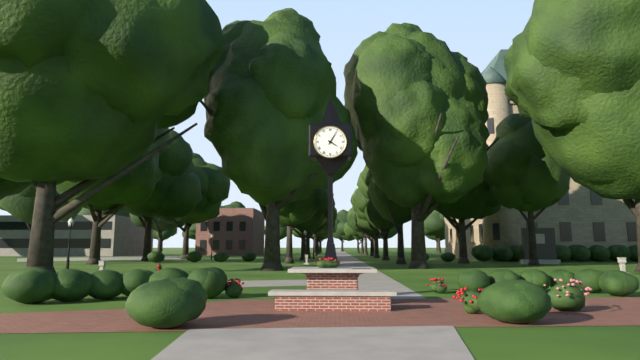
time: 4:05
